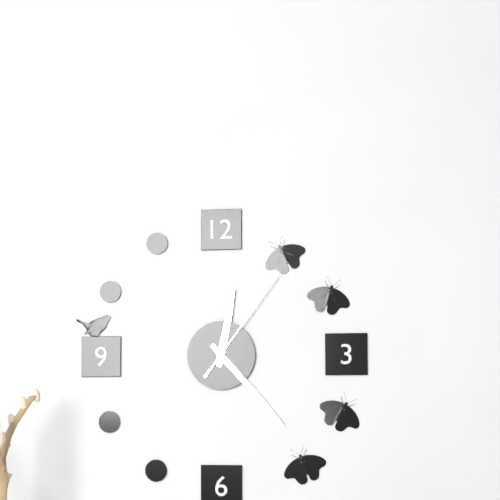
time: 12:23:06
